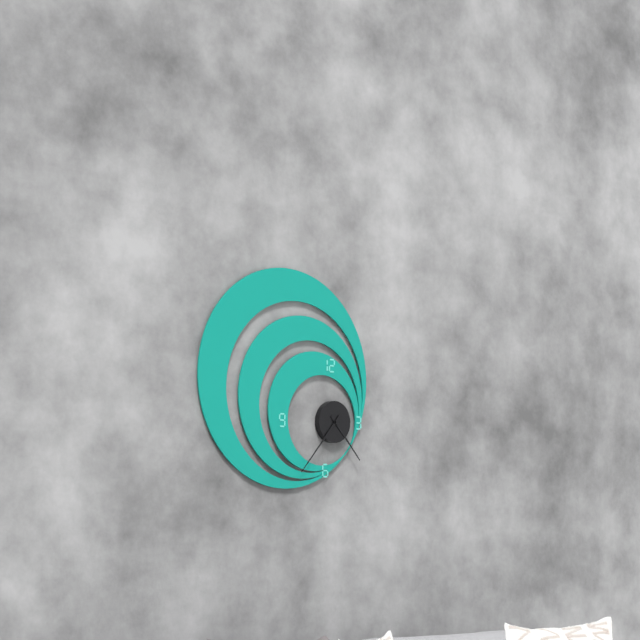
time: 4:37
